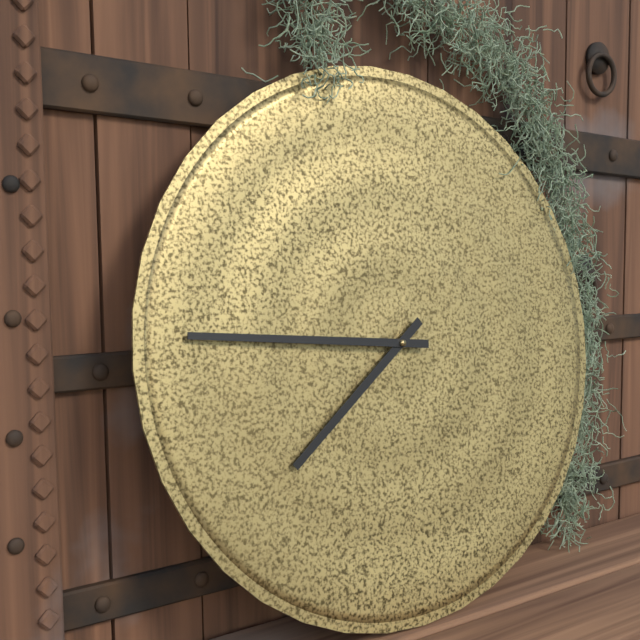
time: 7:46
